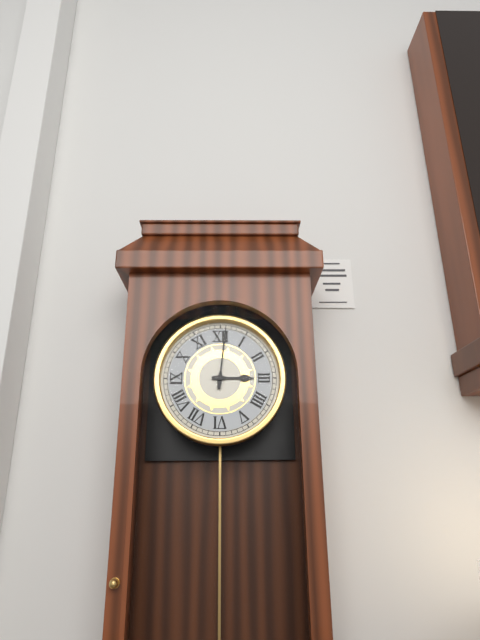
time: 3:01
